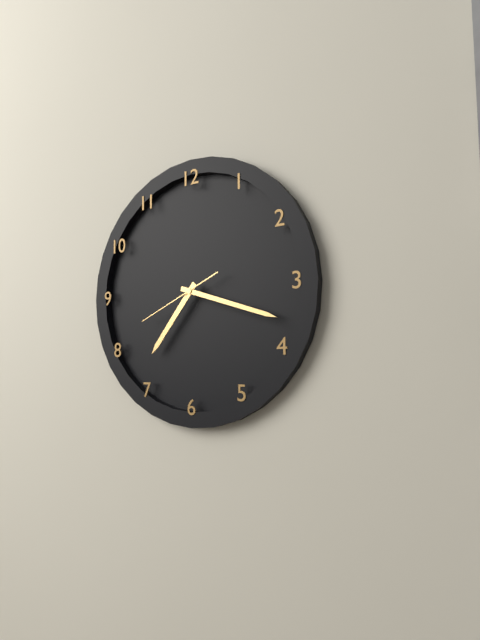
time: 7:18:41
